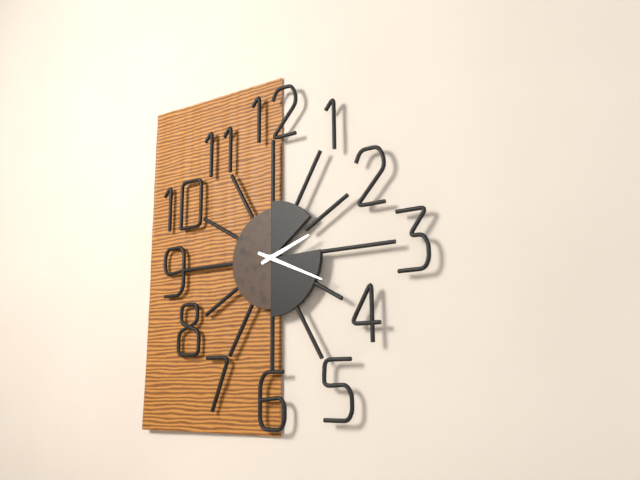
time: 2:19
